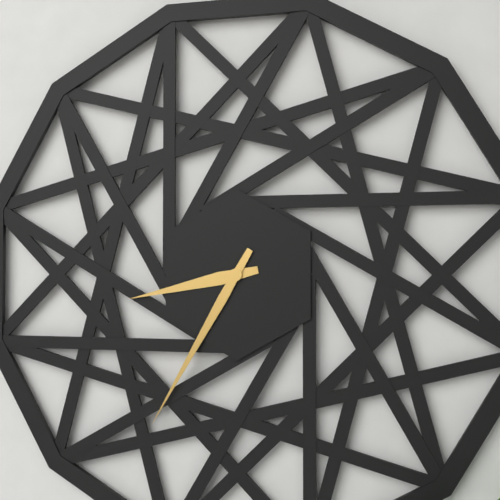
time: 8:35
